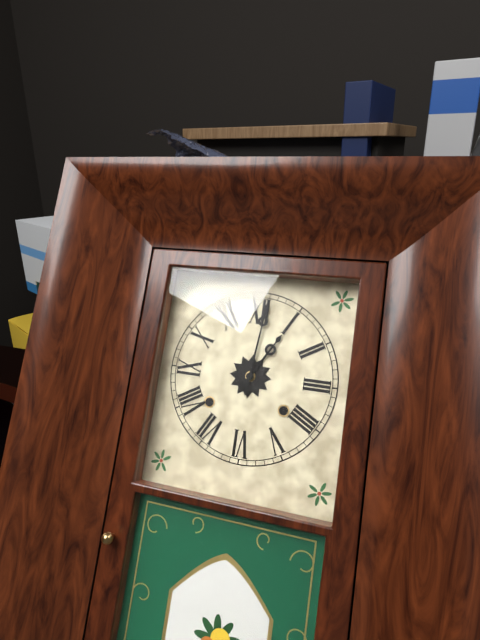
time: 1:01
